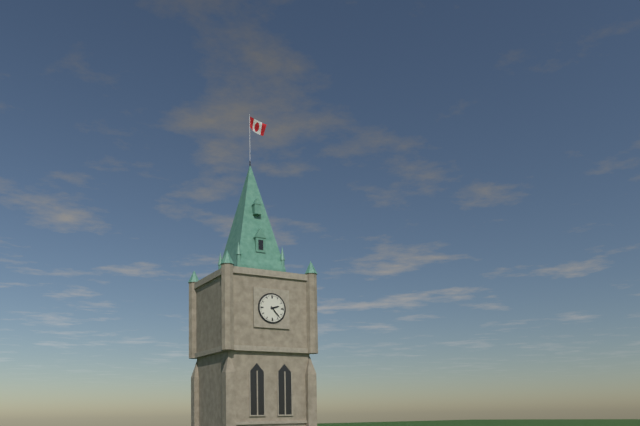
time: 2:23
